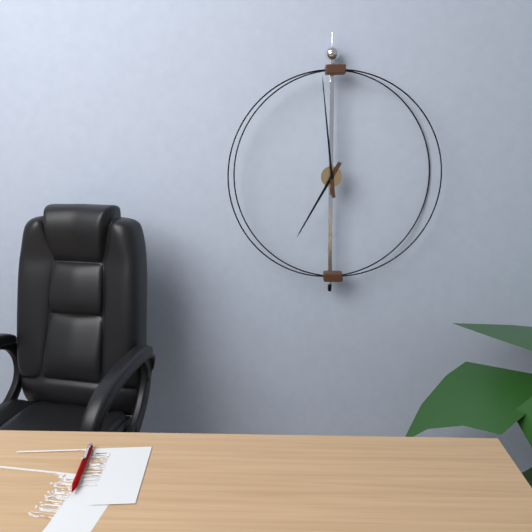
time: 6:59
